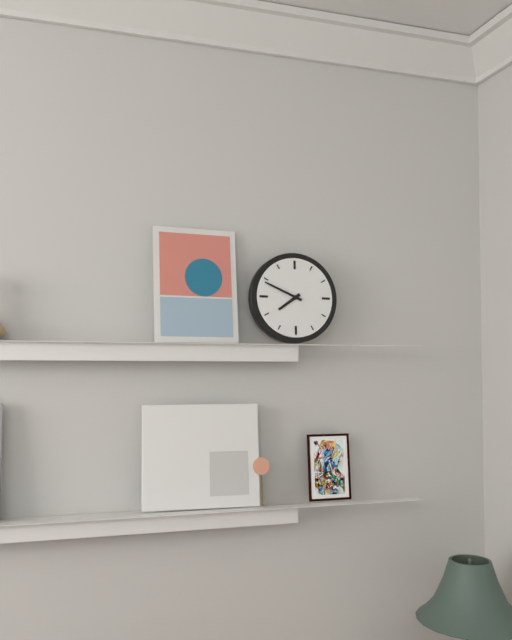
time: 7:49
